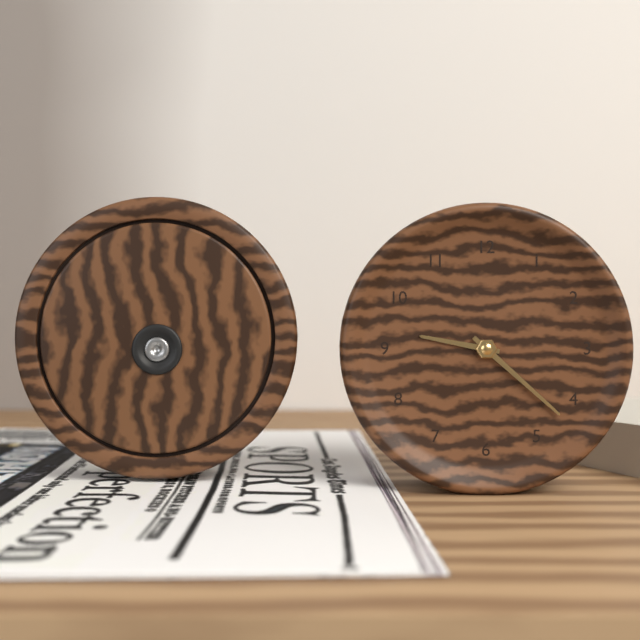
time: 9:22
